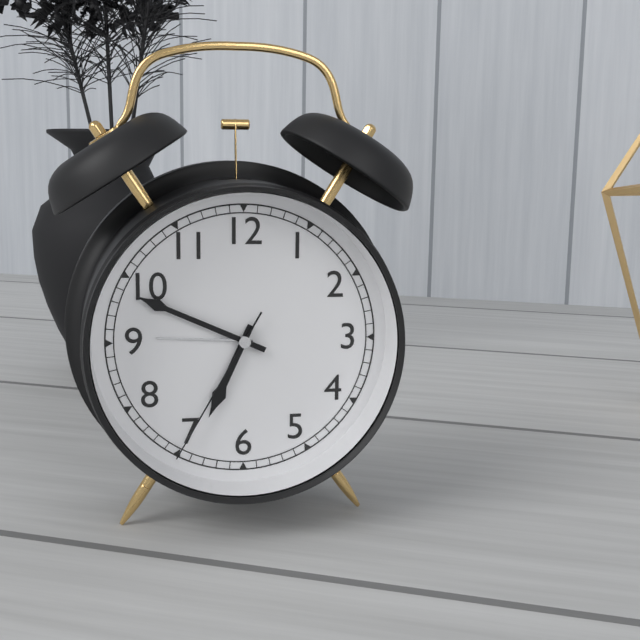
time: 6:49:35
